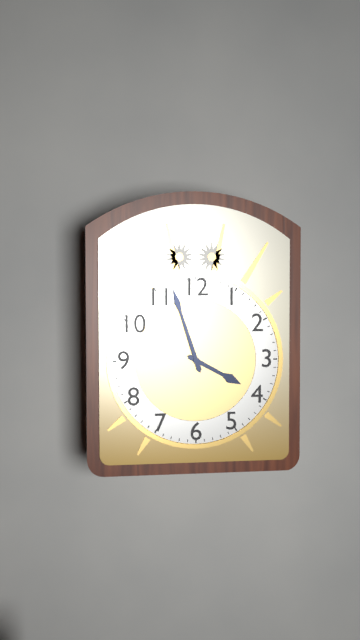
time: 3:57
